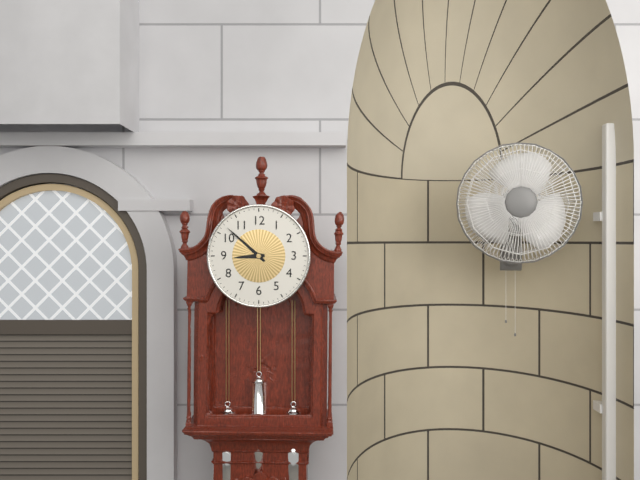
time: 8:52
